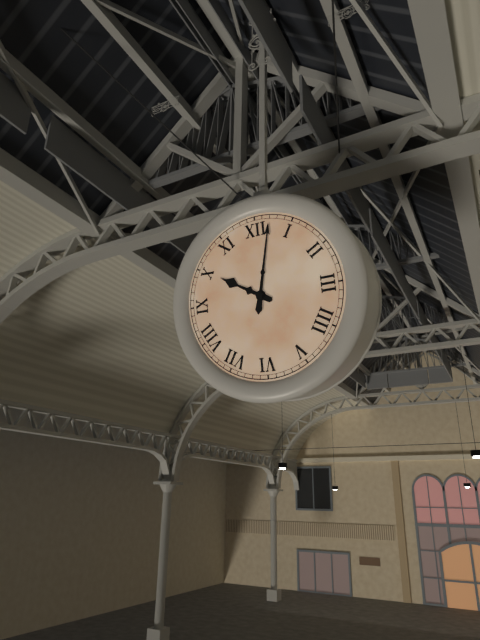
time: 10:02
